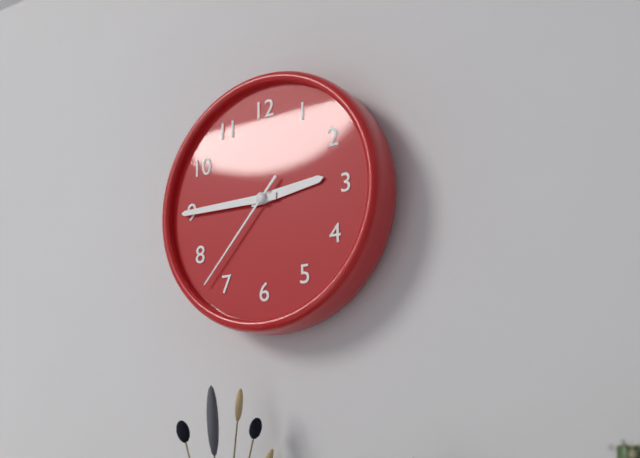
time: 2:45:37
